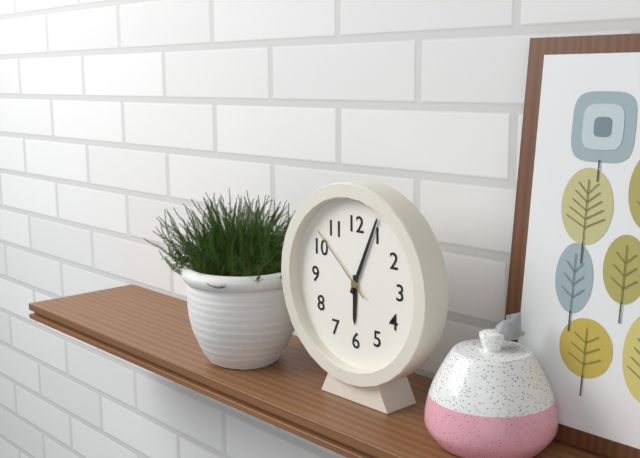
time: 6:04:52
